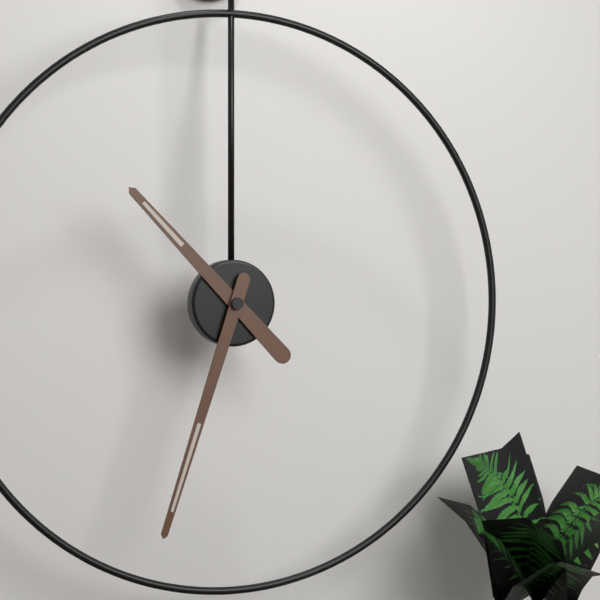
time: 10:33
